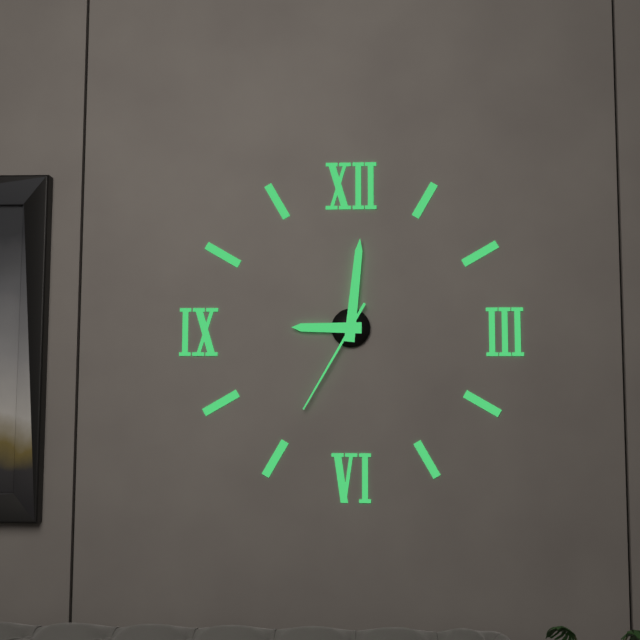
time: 9:01:35
